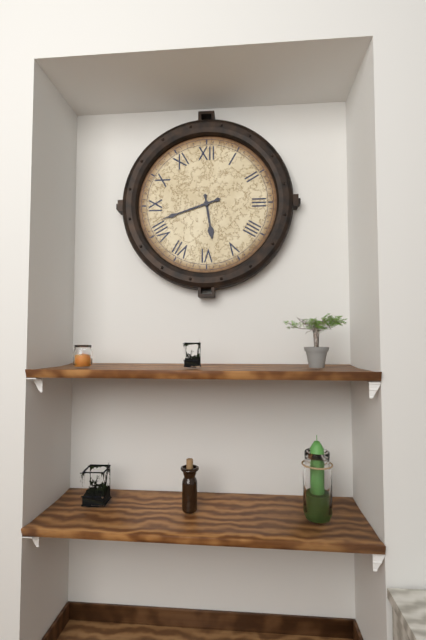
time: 5:42
